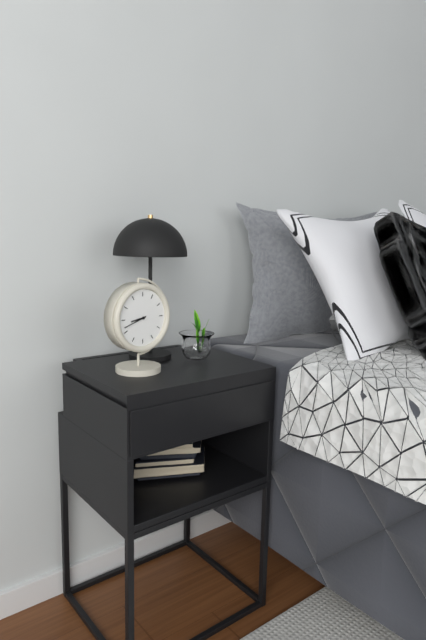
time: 8:42
